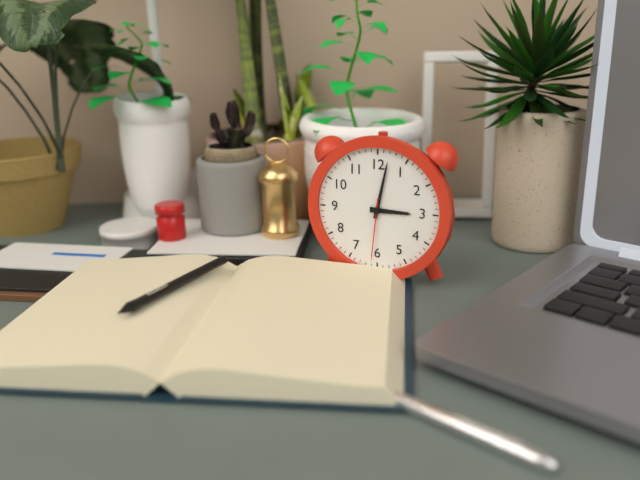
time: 3:02:31
